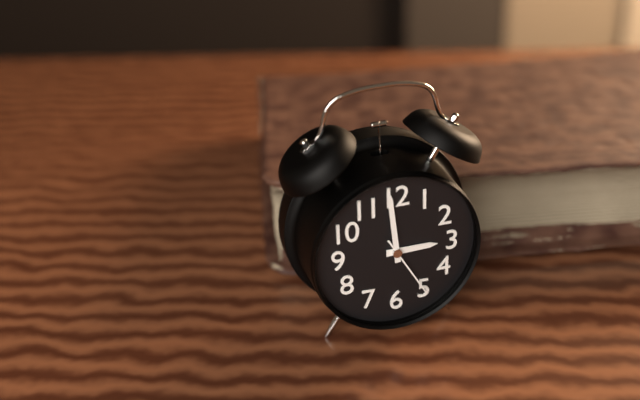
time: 2:59:25
